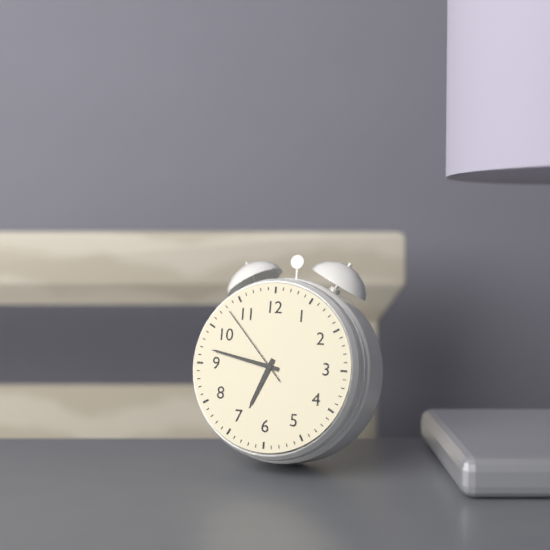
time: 6:47:53
